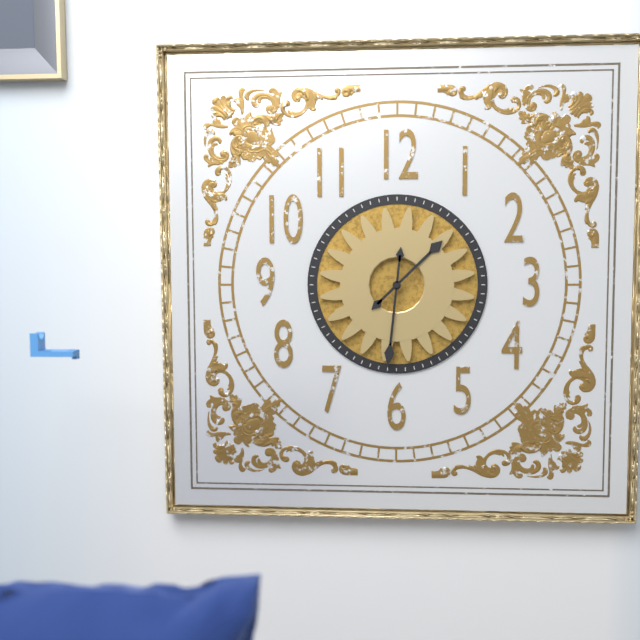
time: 1:31
